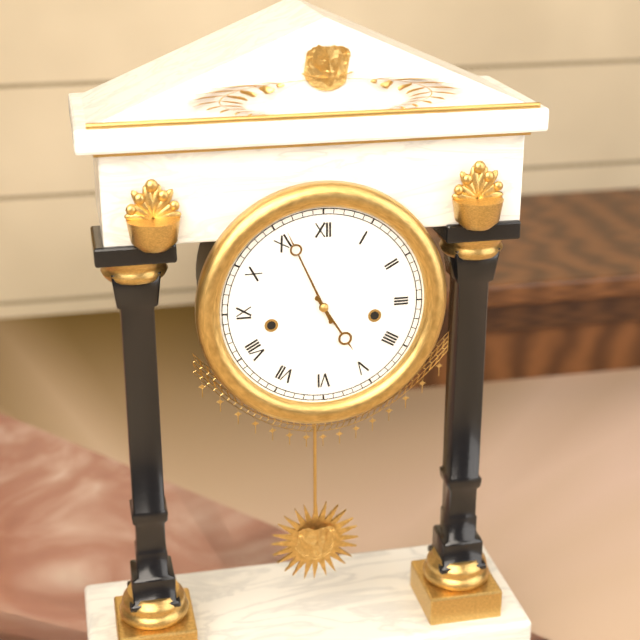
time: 4:56
